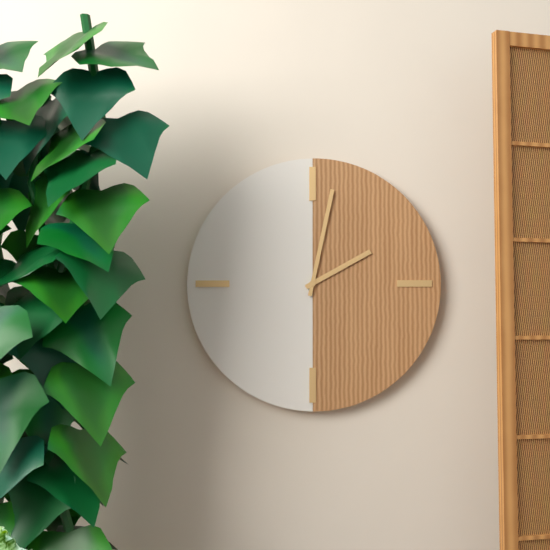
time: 2:02
